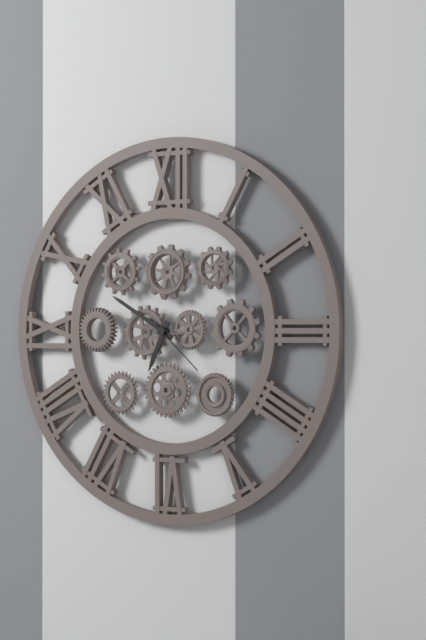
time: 6:50:22
